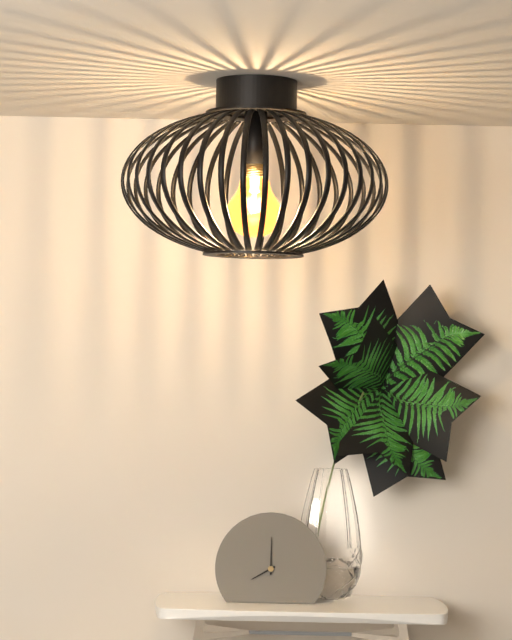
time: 8:00
